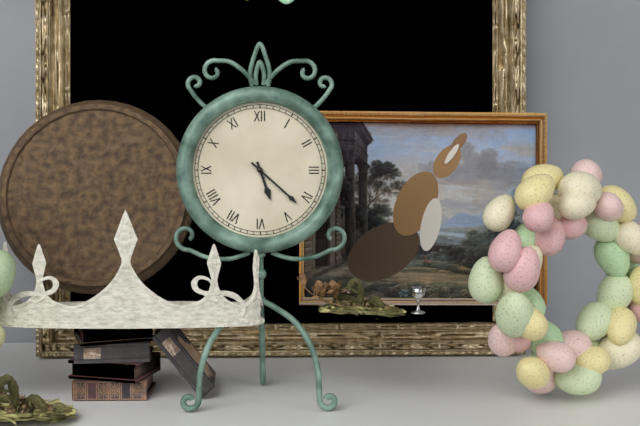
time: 5:22
